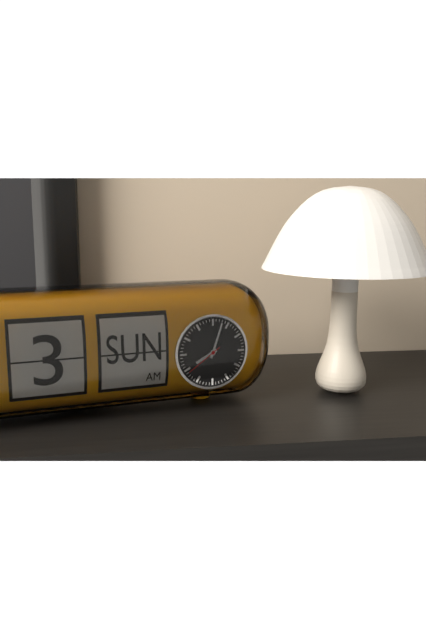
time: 8:03
